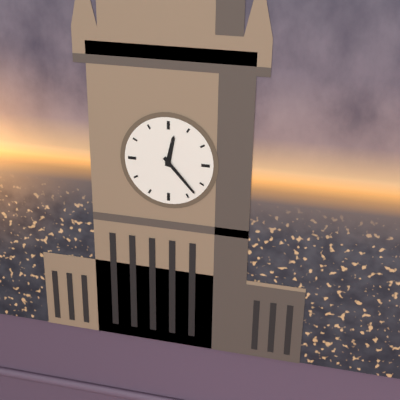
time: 12:23
